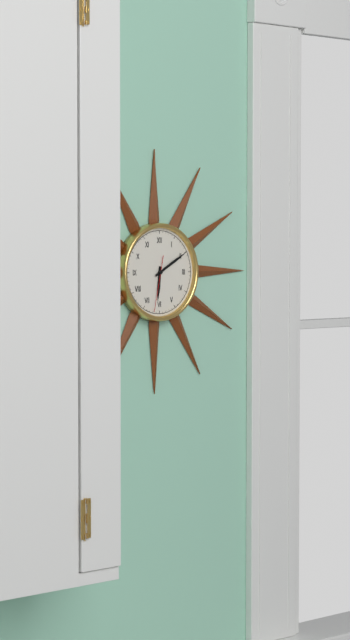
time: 6:10:32
